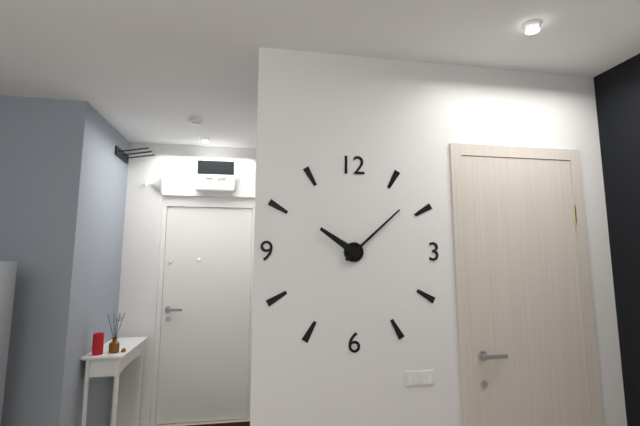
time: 10:08
